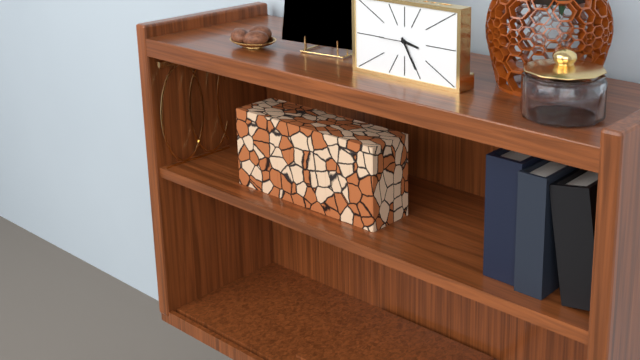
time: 3:25
